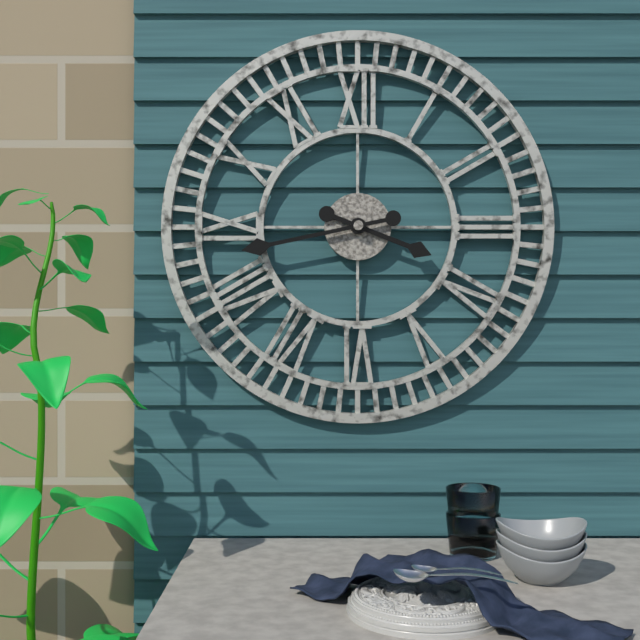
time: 3:43
